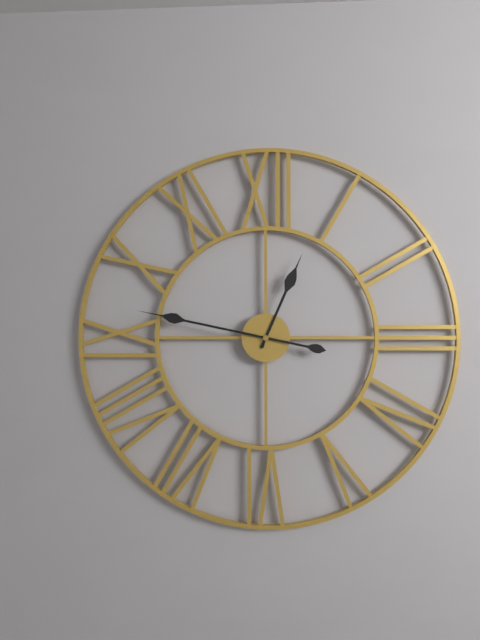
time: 12:47
